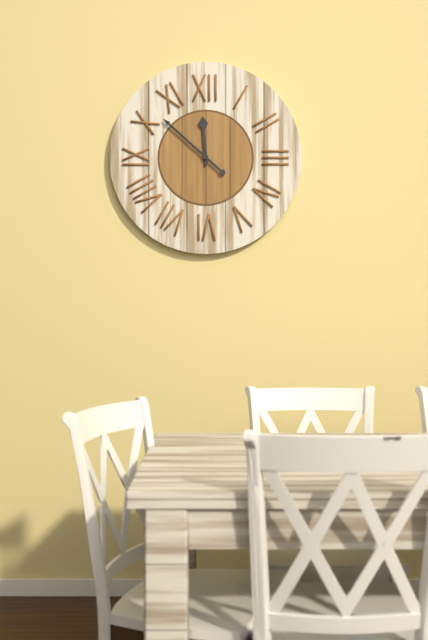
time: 11:52
